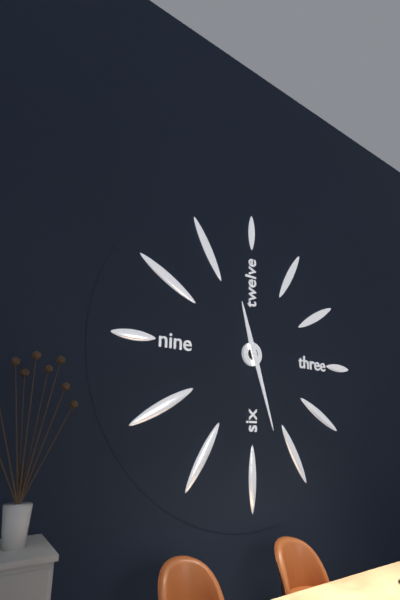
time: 11:27
